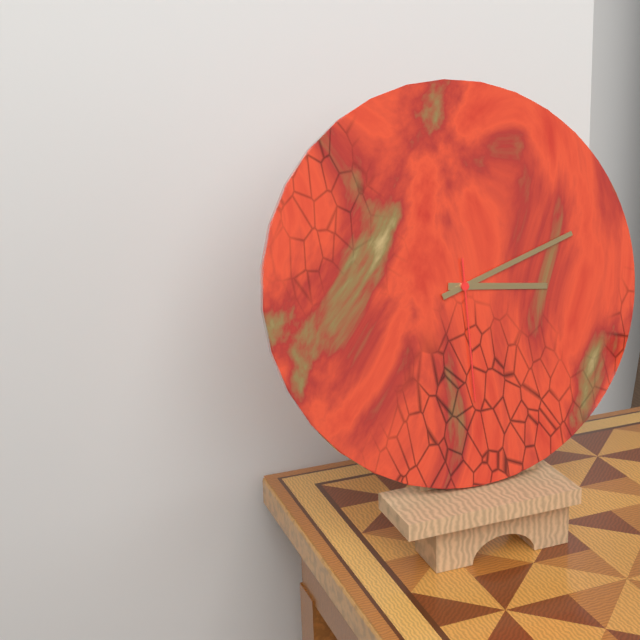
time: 3:12:30
